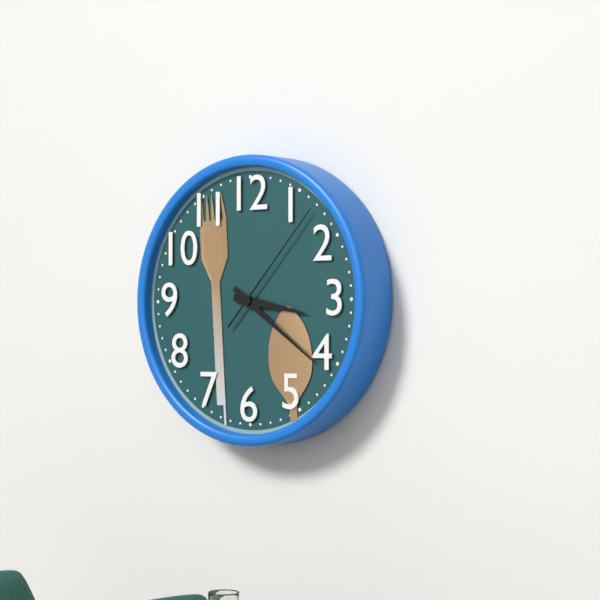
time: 3:21:07
